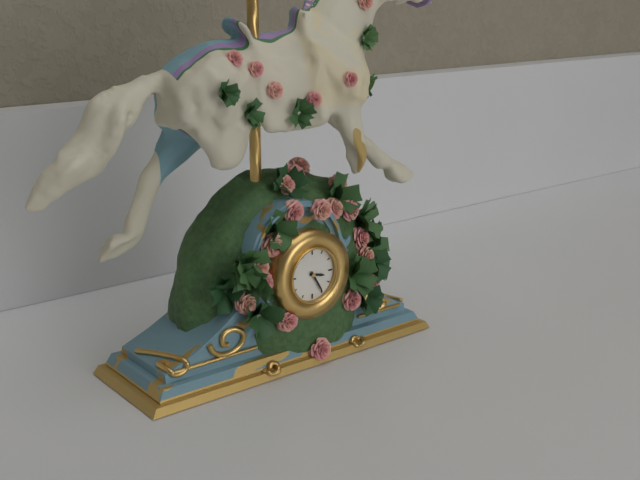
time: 3:25
